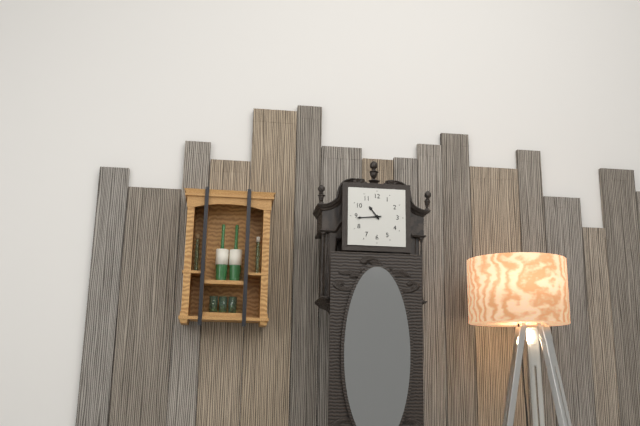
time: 10:44
